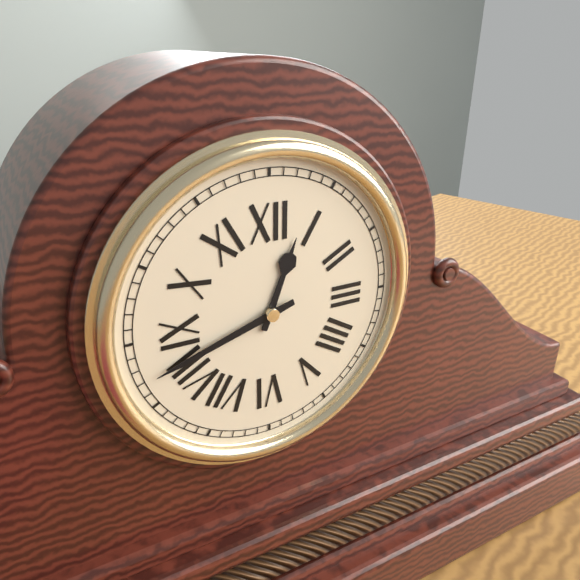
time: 12:42
